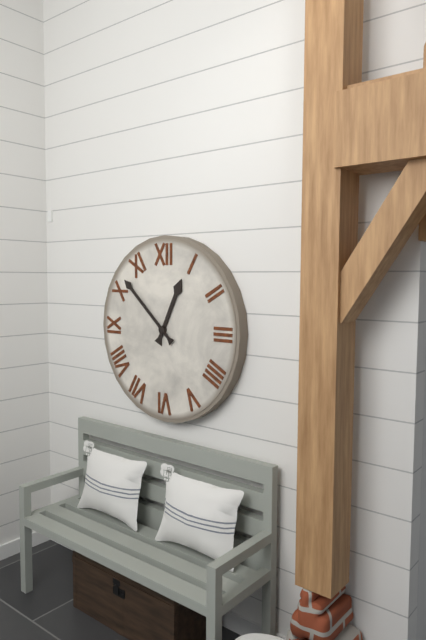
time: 12:52
